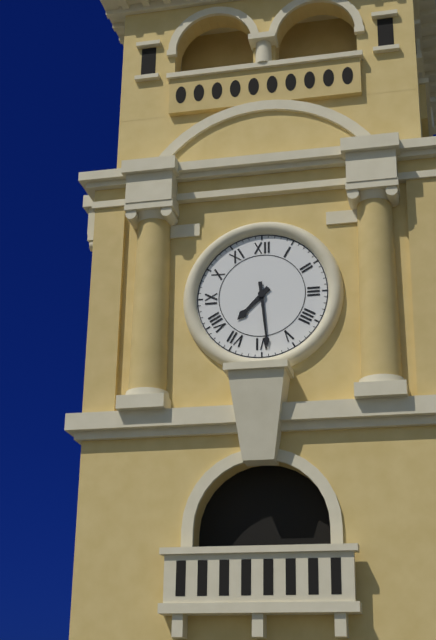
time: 7:29
